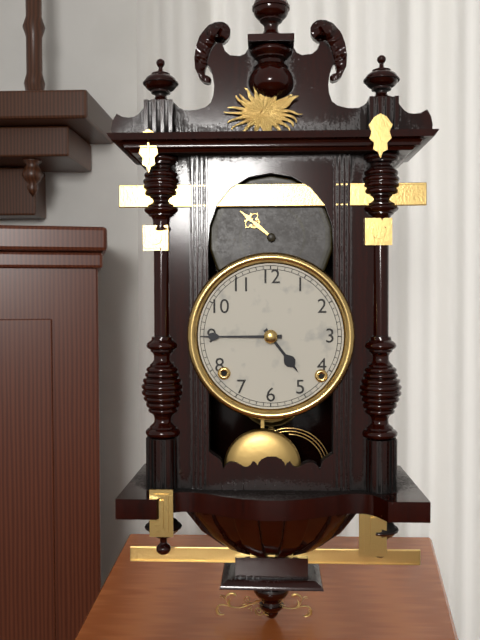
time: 4:45
